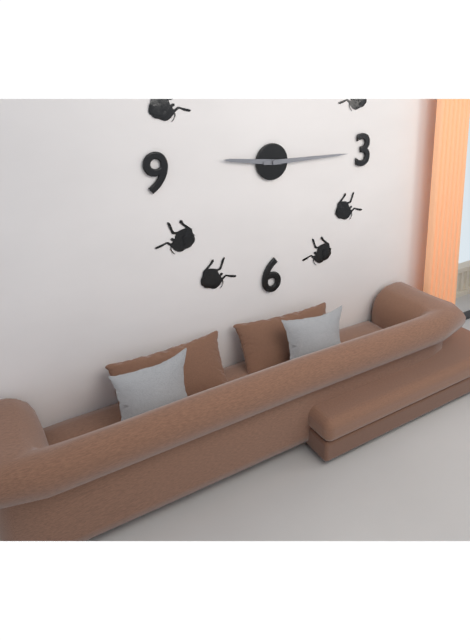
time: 9:15
